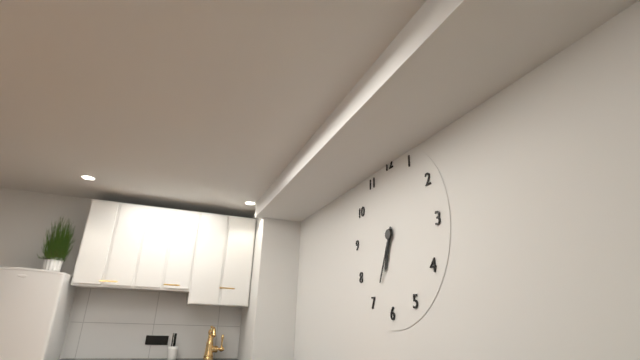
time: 6:34
